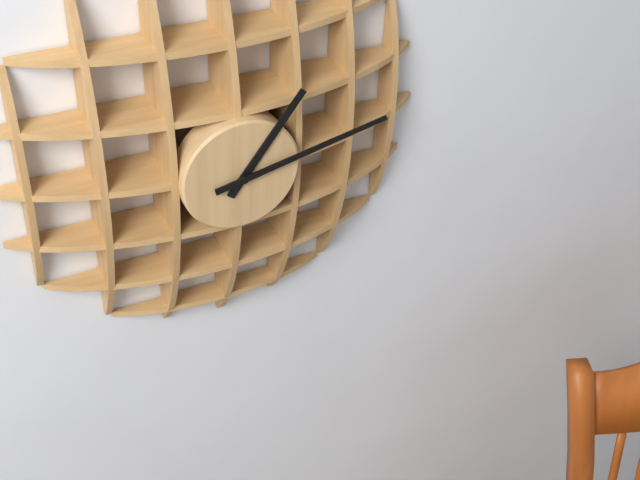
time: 1:13
